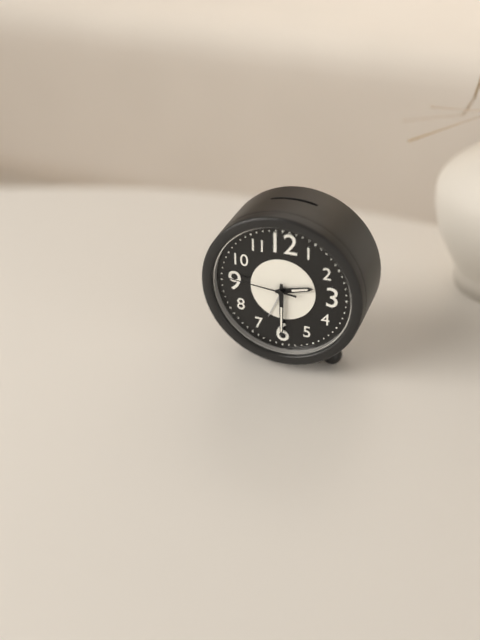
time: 2:30:46
